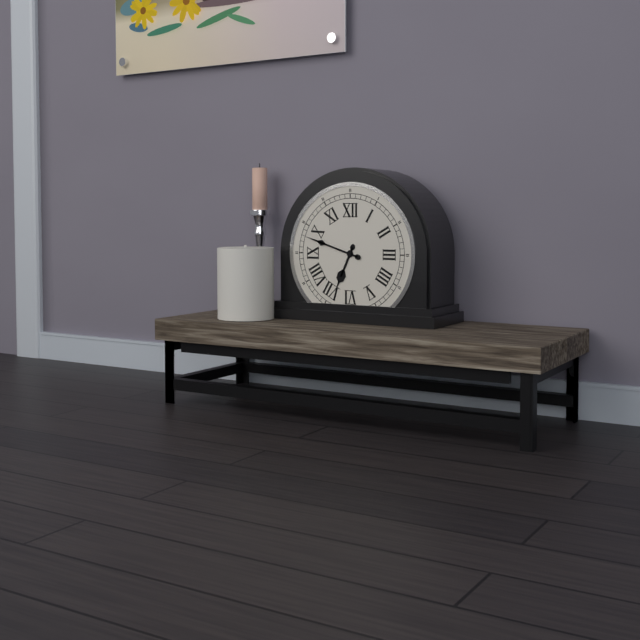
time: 6:48
